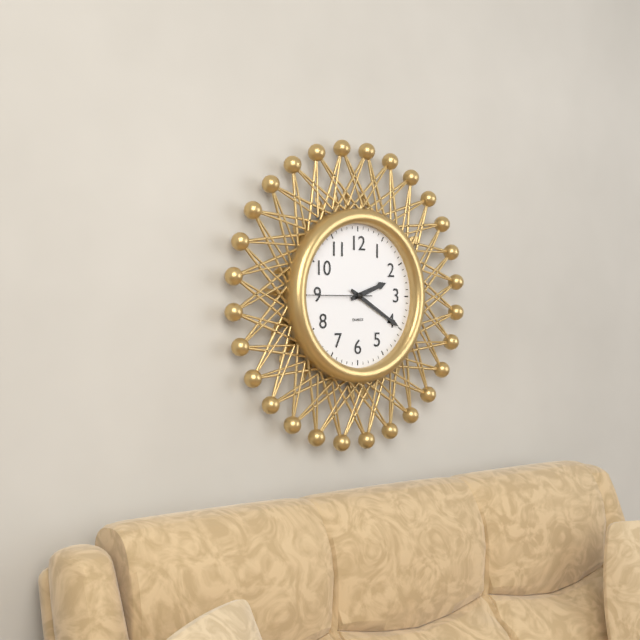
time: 2:20:45
